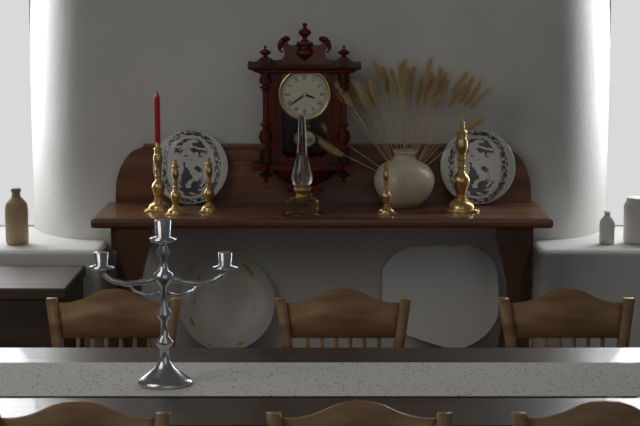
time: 3:39
